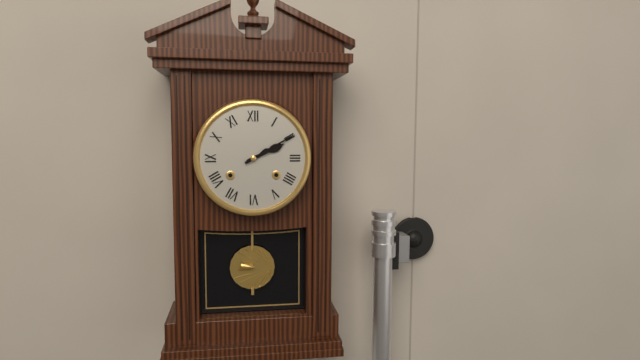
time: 2:10
